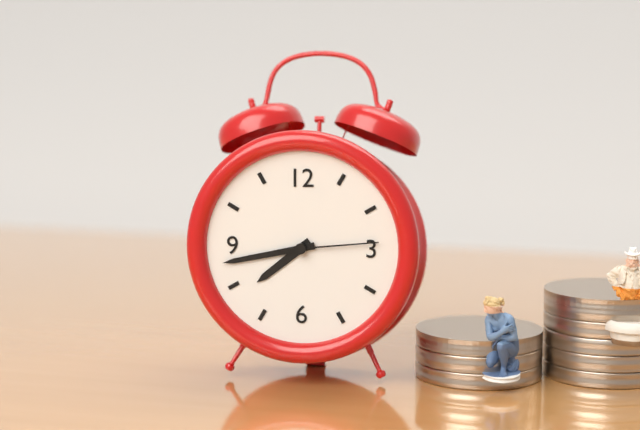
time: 7:43:14
